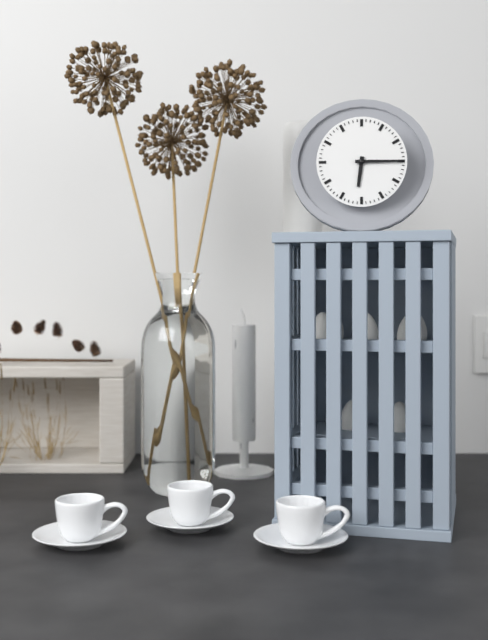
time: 6:15
